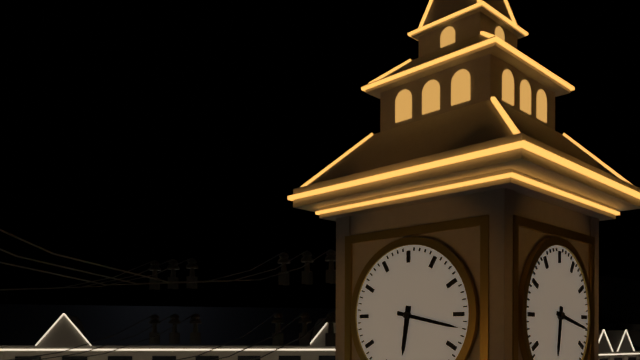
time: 6:17
